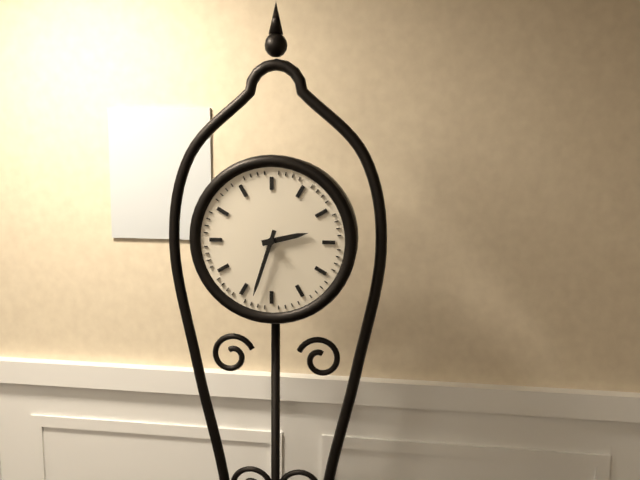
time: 2:33
